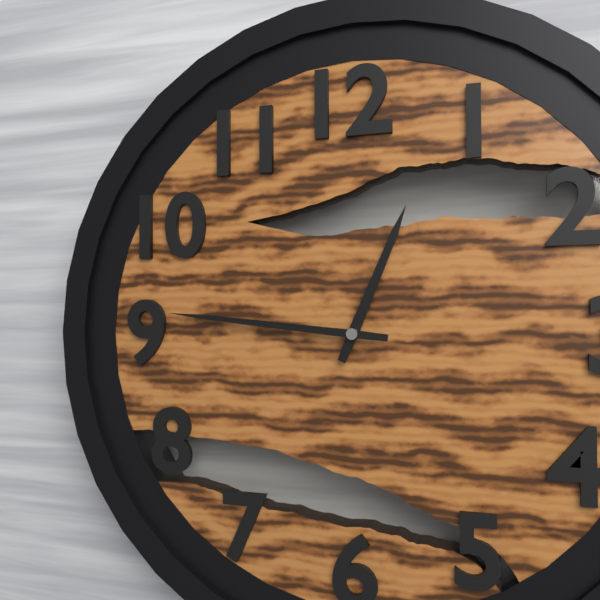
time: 12:46
